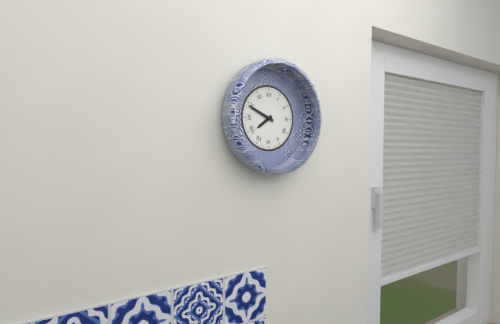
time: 7:49
